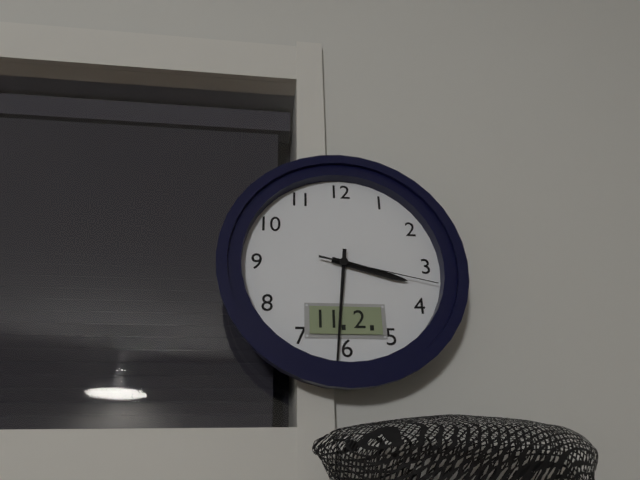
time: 3:31:17
